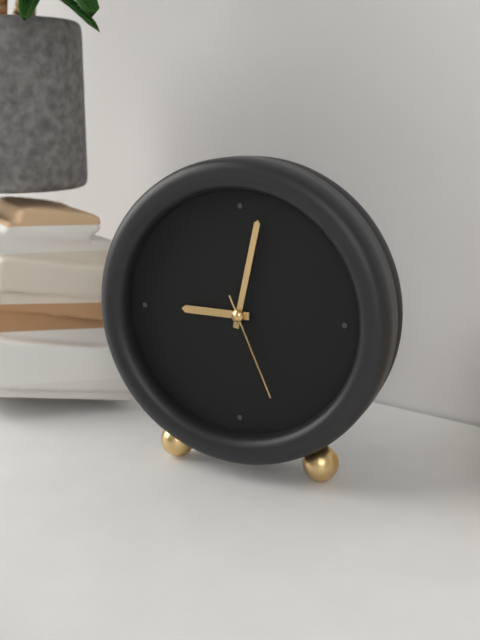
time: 9:02:26
